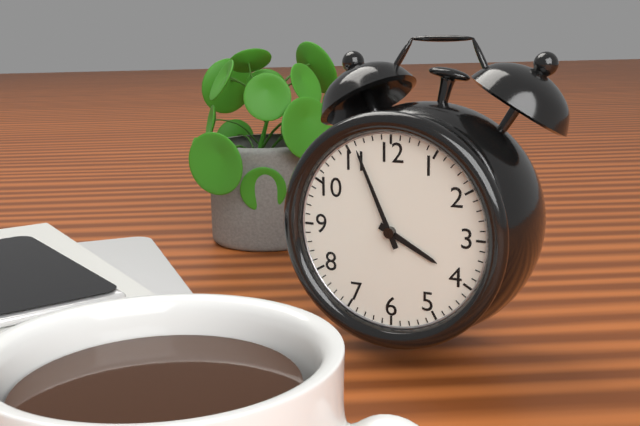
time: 3:56
